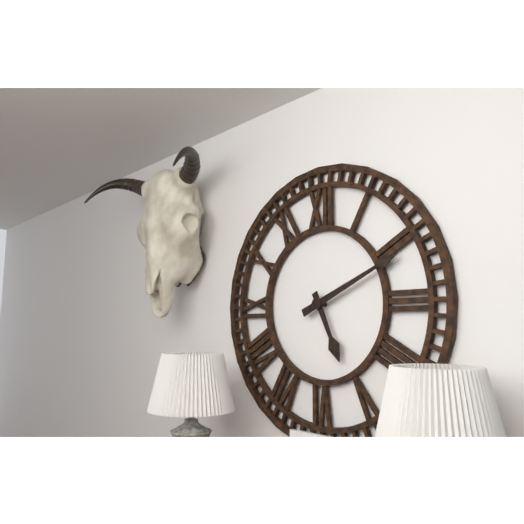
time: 5:11
